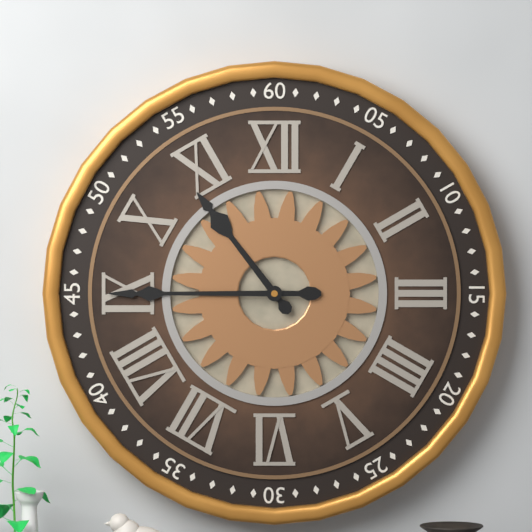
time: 10:45
